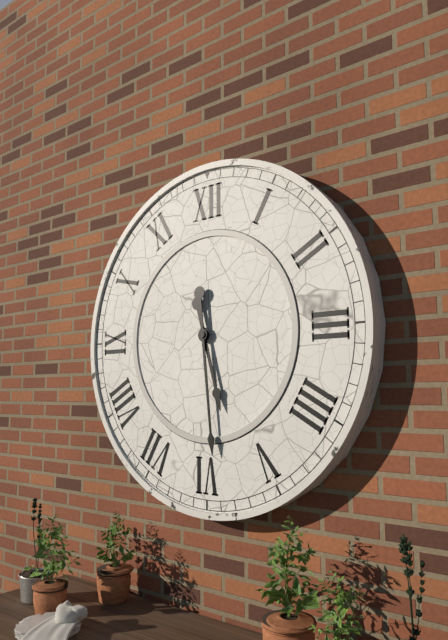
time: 5:29
